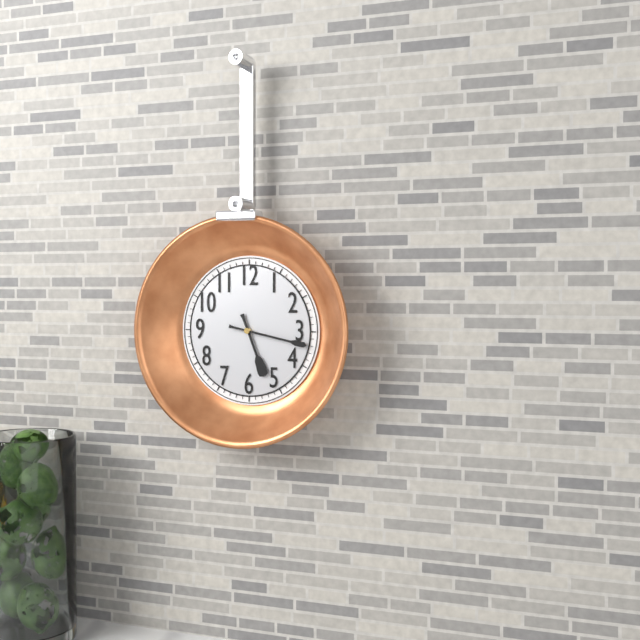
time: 5:17
